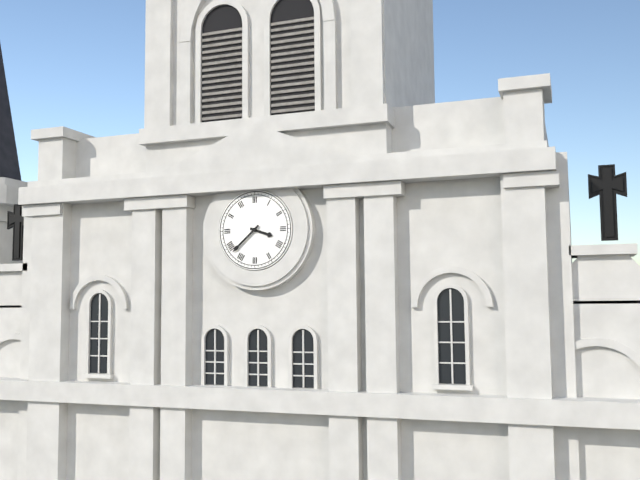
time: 3:38
